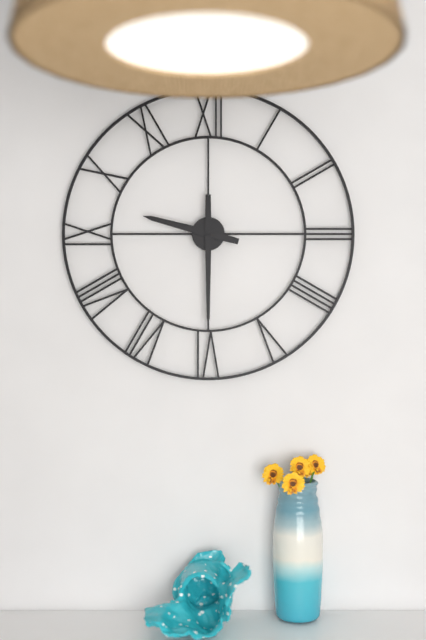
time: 9:30
